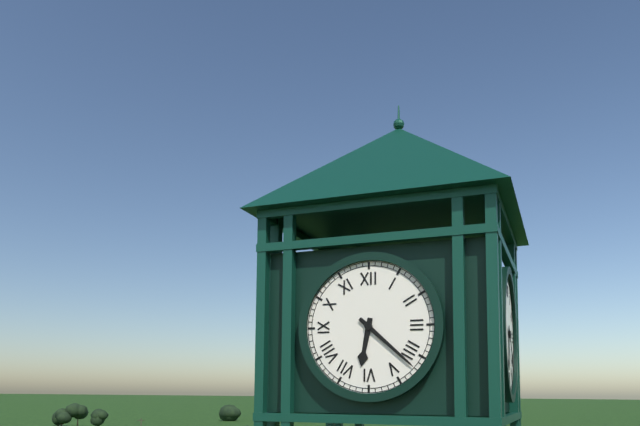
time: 6:22
